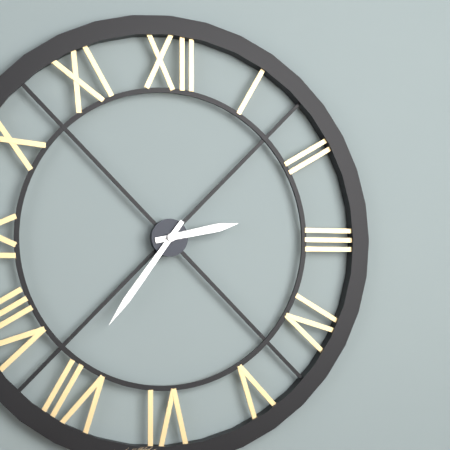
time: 2:36
